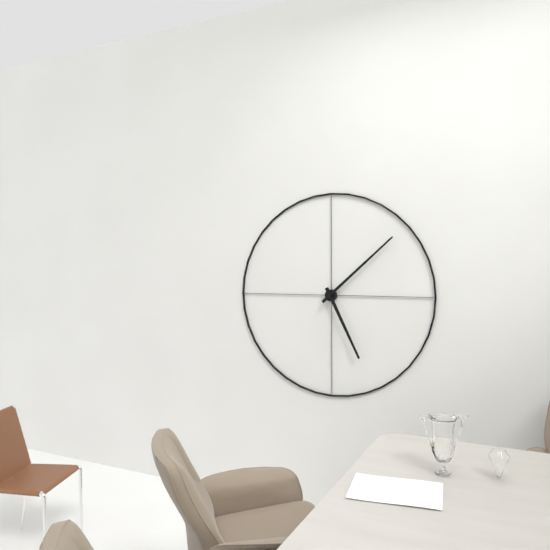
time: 5:08
